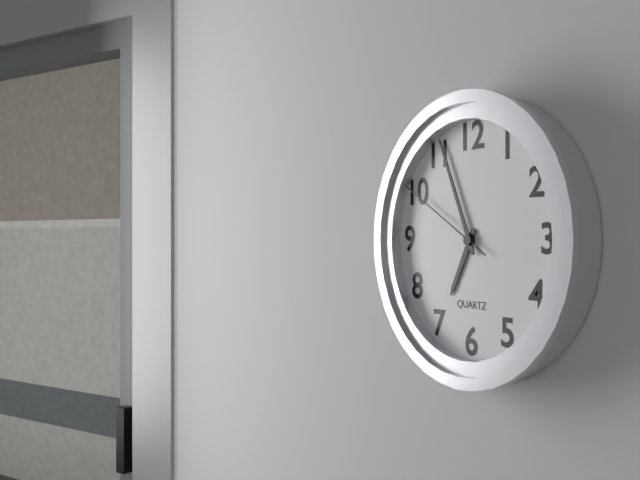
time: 6:56:50
